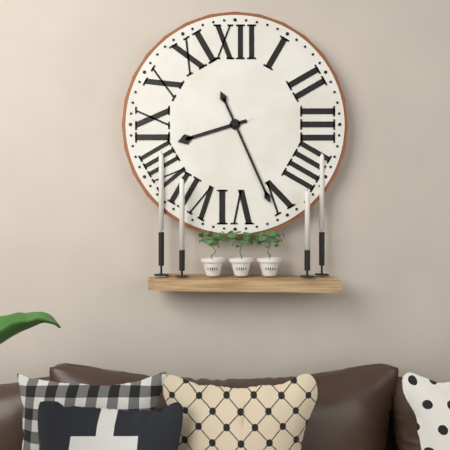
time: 8:26
